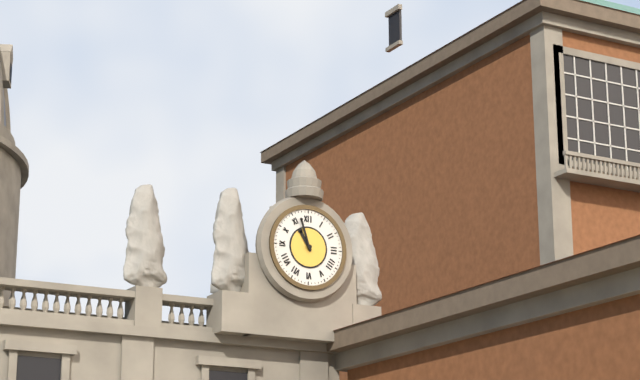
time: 10:57
